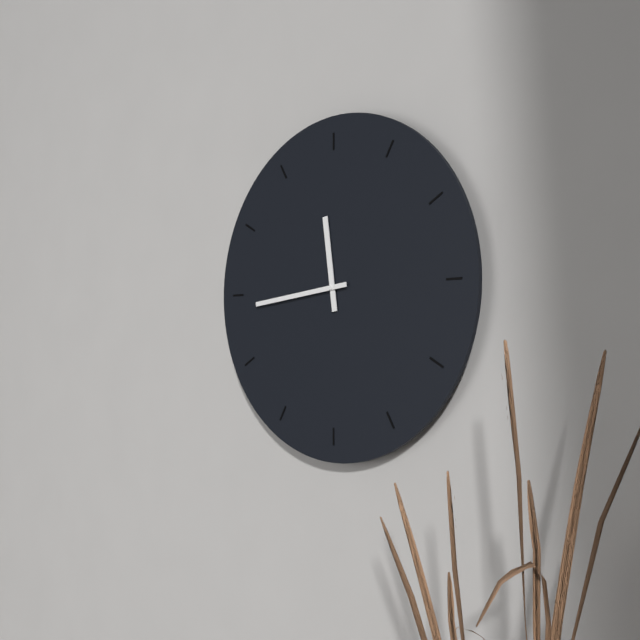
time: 11:44
